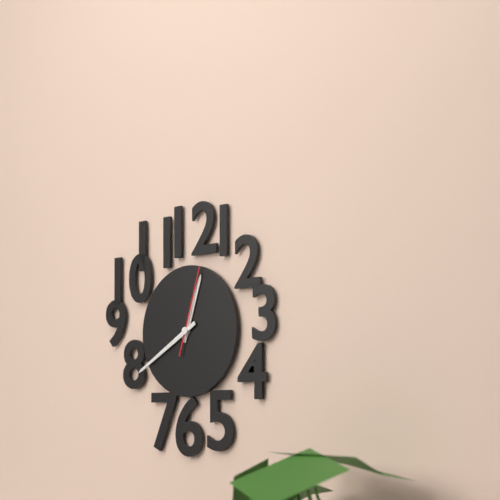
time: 12:40:03
